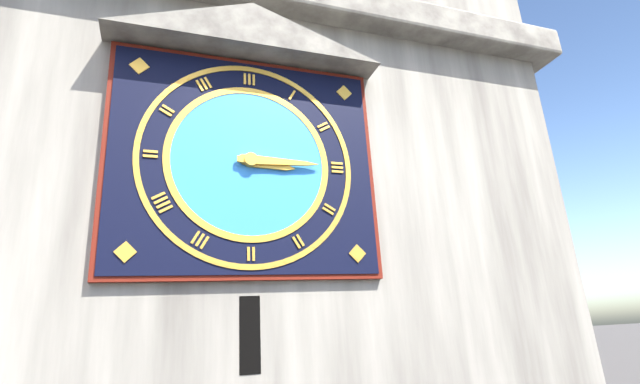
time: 3:15
